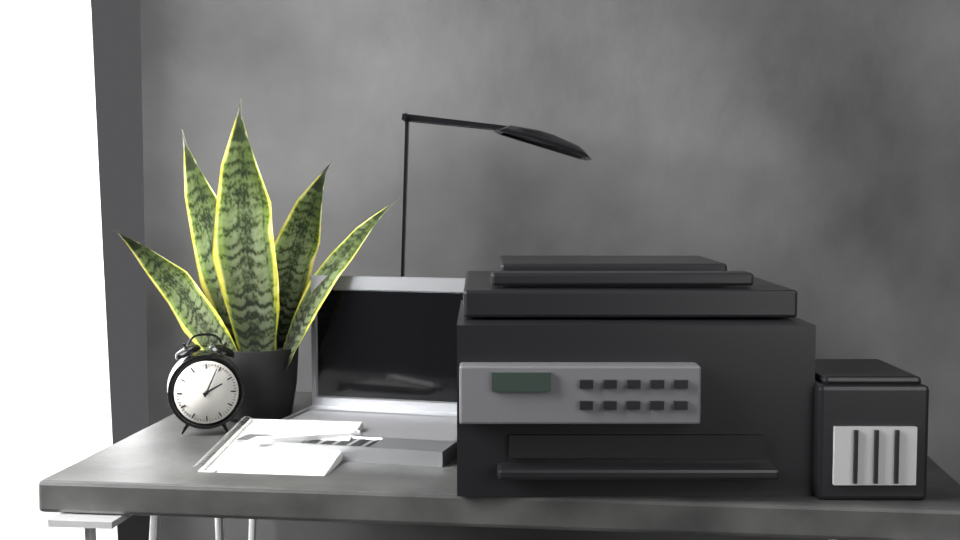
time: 2:04
